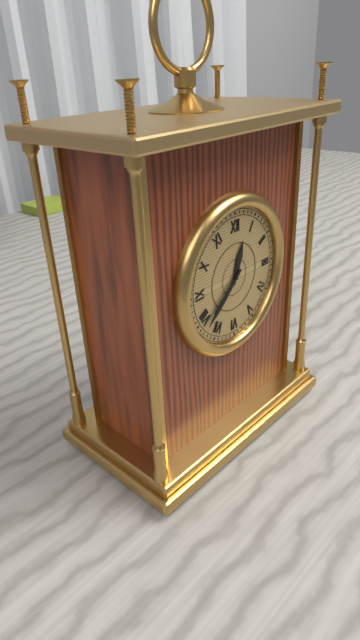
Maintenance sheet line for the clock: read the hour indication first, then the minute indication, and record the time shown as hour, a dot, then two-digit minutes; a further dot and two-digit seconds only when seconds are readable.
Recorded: 12.38
